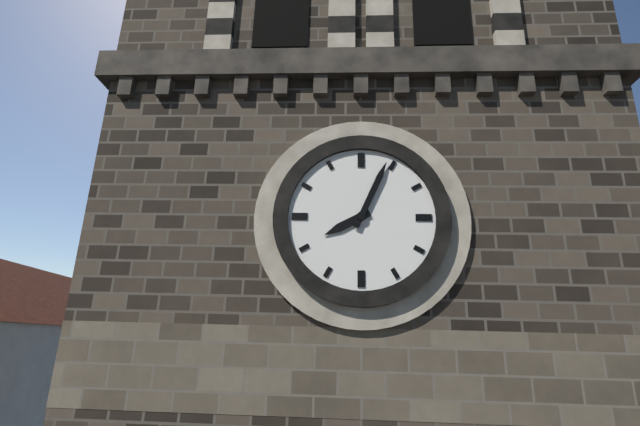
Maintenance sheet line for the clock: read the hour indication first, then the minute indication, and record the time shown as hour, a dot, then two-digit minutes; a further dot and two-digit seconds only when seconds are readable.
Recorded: 8.04
